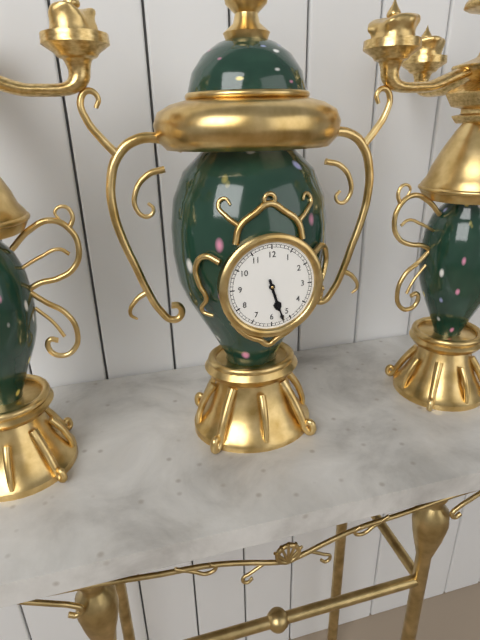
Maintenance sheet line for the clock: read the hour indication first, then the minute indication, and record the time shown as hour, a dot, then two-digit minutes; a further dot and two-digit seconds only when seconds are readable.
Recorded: 5.27
